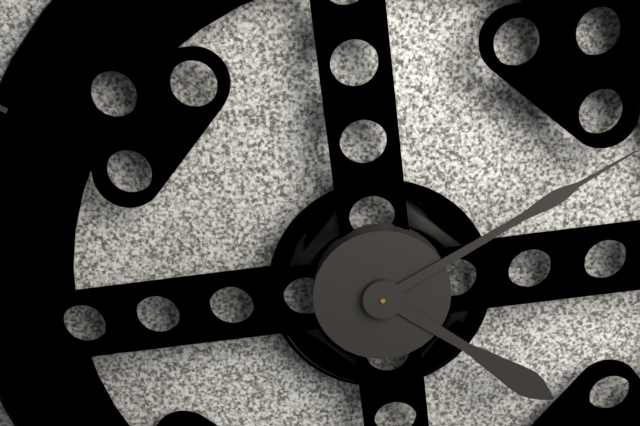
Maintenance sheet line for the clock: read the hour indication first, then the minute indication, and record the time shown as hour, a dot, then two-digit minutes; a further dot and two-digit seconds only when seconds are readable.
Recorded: 4.10
